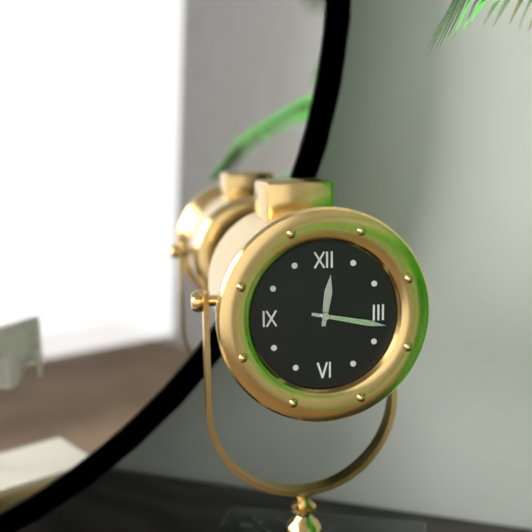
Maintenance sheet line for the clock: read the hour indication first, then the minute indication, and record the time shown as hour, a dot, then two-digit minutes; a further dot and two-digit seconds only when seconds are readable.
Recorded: 12.17
